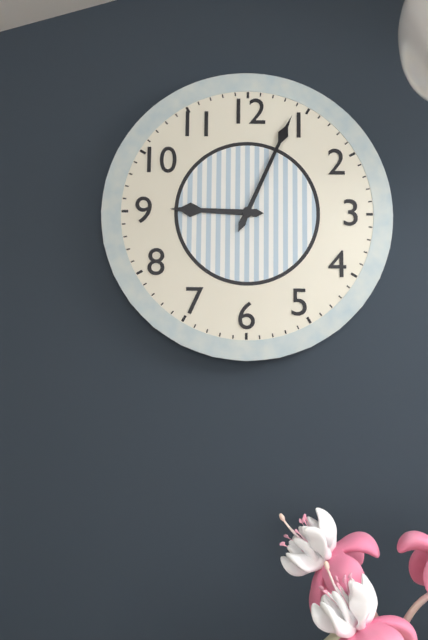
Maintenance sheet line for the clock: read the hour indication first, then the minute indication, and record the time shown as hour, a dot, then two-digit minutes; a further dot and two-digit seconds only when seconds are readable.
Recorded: 9.04
